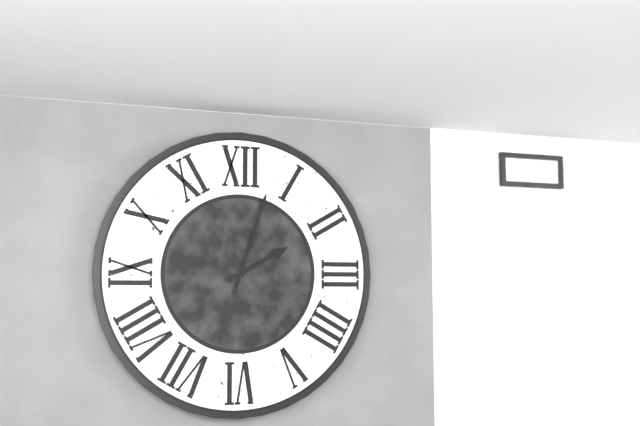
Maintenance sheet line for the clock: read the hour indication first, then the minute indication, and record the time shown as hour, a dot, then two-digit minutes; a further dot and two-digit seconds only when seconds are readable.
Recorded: 2.03
